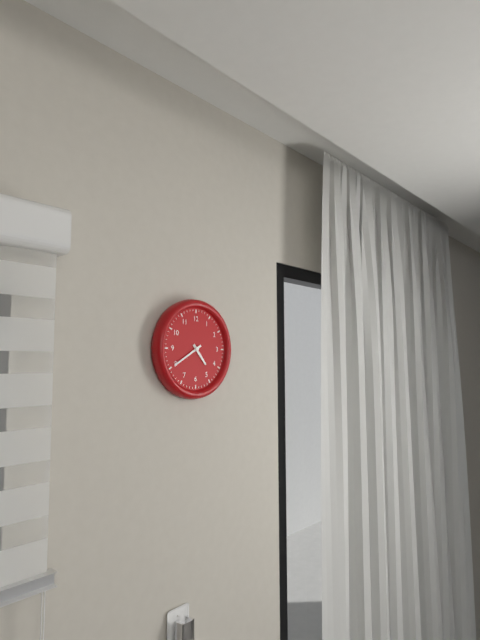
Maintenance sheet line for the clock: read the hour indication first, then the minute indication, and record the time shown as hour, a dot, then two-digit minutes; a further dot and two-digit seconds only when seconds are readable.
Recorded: 4.40
